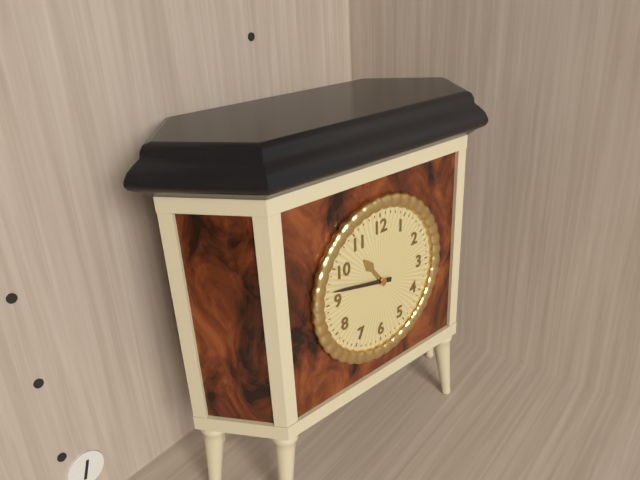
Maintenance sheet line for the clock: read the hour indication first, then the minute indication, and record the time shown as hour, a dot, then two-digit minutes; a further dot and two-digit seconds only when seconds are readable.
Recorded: 10.47
